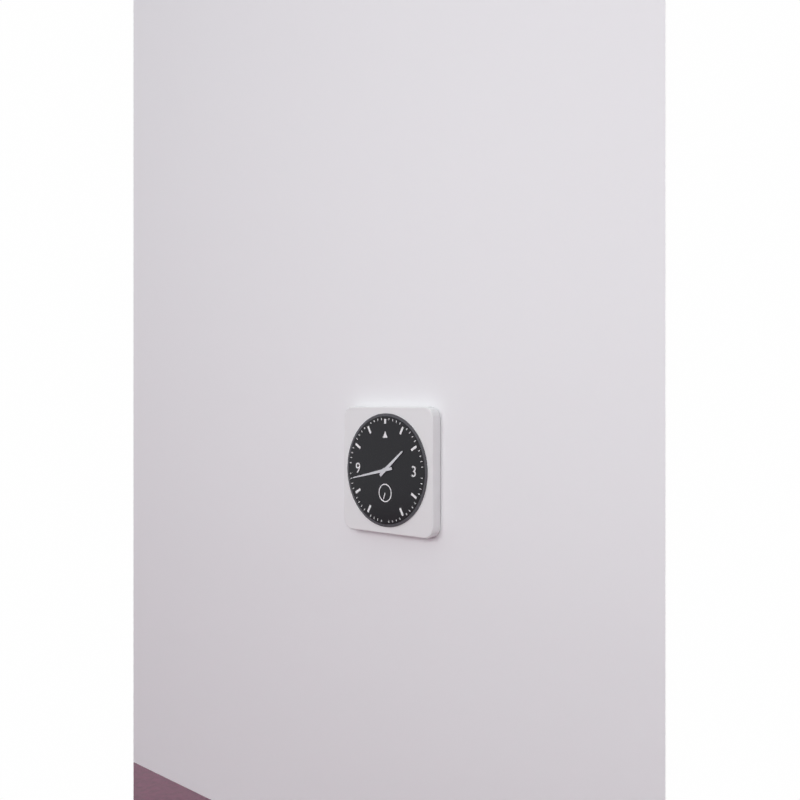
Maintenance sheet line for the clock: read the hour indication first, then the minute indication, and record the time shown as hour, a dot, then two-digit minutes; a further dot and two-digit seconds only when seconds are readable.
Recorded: 1.43
